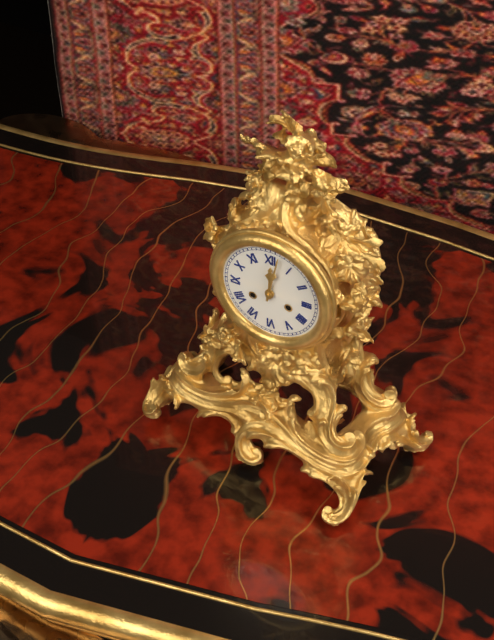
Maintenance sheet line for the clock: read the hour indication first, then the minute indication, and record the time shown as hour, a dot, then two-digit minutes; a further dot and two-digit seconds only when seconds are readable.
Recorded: 12.02
